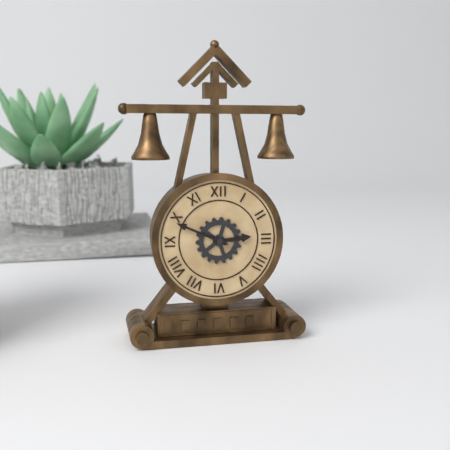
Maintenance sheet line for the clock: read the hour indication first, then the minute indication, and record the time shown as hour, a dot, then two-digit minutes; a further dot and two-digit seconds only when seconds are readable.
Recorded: 2.49
